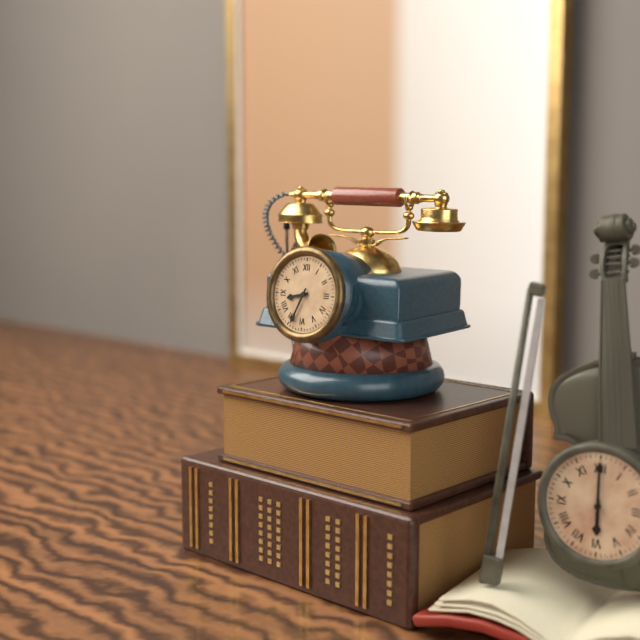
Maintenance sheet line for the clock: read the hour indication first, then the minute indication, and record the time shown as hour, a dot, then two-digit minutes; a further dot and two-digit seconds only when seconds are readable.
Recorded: 8.34
